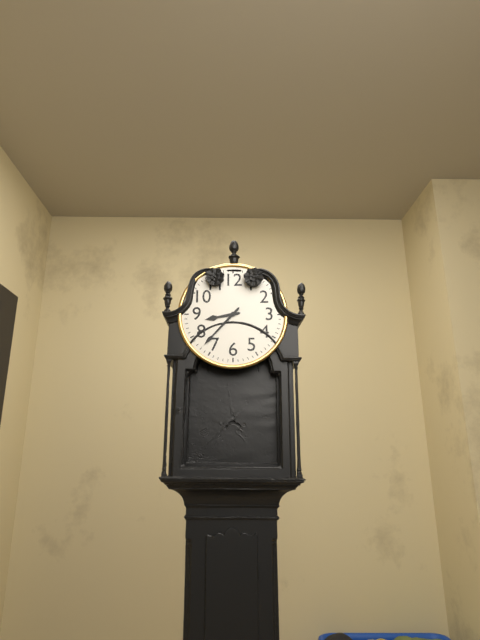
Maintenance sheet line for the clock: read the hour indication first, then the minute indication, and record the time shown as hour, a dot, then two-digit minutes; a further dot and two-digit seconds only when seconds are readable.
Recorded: 8.37
